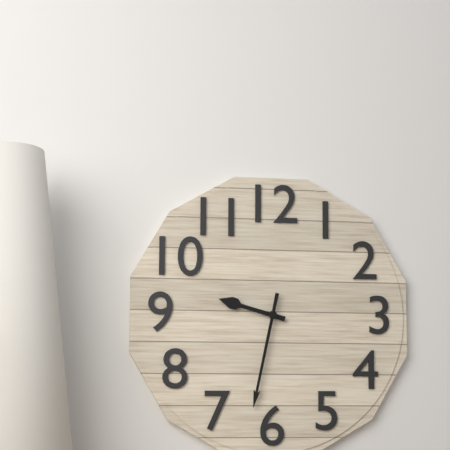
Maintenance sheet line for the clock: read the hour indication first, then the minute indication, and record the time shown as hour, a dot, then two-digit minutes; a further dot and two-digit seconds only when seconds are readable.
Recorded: 9.32
